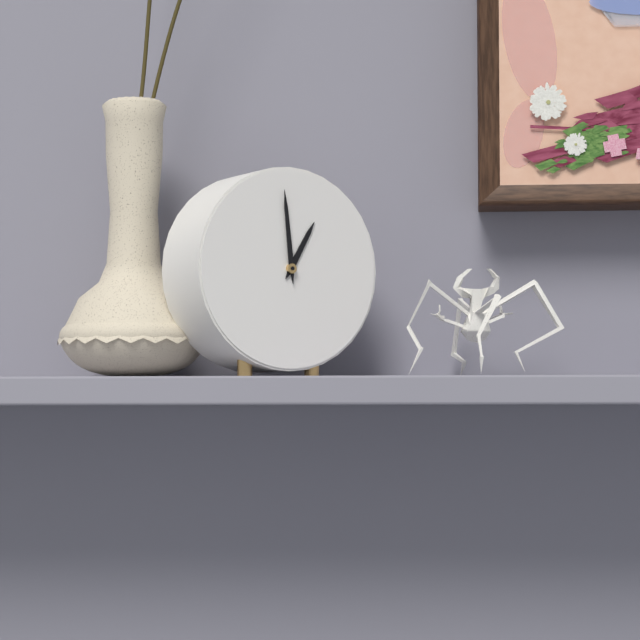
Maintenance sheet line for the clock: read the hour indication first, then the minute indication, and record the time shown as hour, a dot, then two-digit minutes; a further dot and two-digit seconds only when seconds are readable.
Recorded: 12.59
